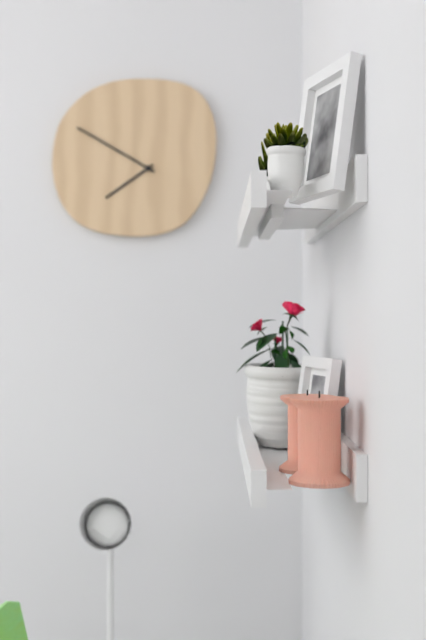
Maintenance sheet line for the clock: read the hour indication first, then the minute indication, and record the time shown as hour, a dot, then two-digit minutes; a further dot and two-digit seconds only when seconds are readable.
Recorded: 7.50
